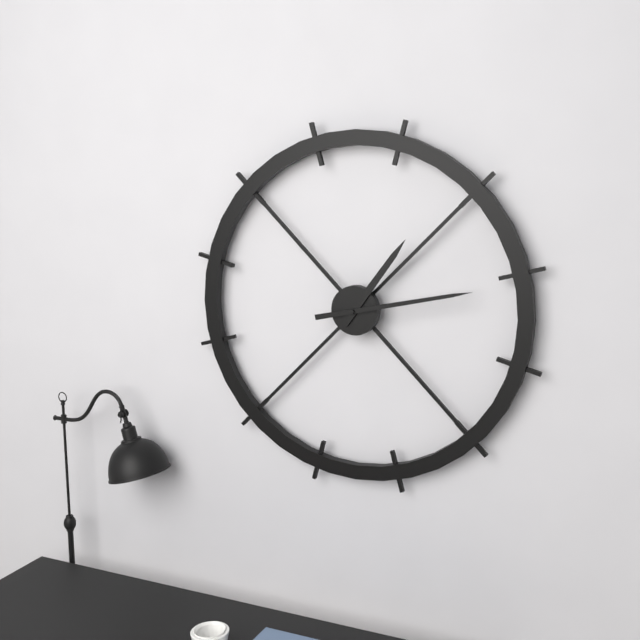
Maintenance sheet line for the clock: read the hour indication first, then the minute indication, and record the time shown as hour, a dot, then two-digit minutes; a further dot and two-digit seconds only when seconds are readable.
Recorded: 1.13
